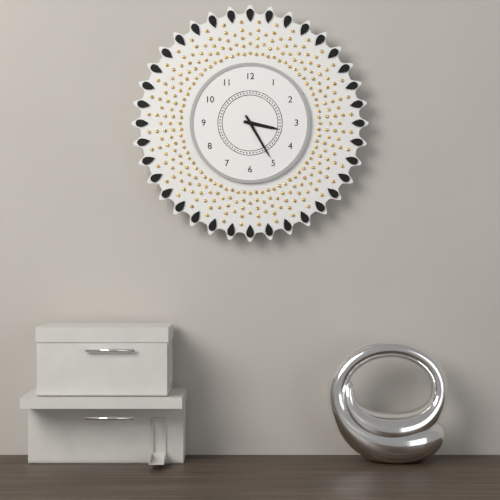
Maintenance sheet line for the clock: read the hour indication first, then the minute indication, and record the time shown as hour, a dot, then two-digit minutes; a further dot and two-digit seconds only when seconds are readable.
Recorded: 3.25
